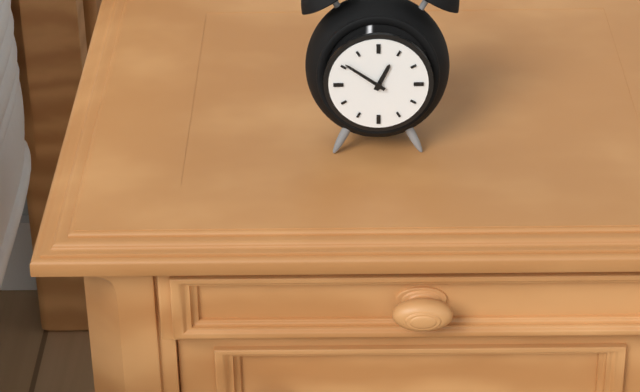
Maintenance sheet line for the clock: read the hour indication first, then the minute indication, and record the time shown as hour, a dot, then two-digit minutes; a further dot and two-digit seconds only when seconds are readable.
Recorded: 12.51
